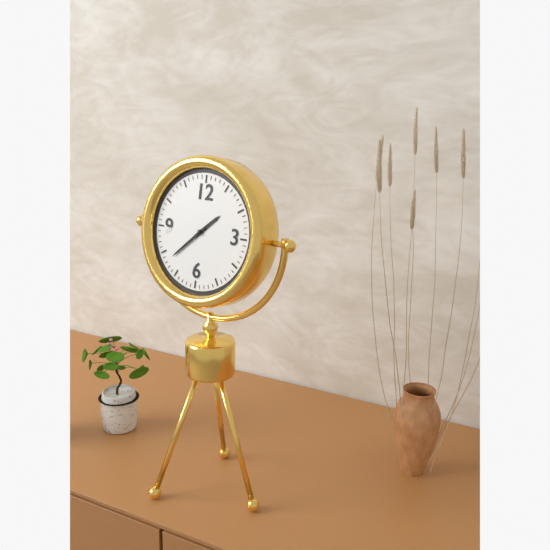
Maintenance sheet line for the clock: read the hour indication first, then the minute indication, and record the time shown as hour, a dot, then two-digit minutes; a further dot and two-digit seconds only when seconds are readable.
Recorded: 1.38
